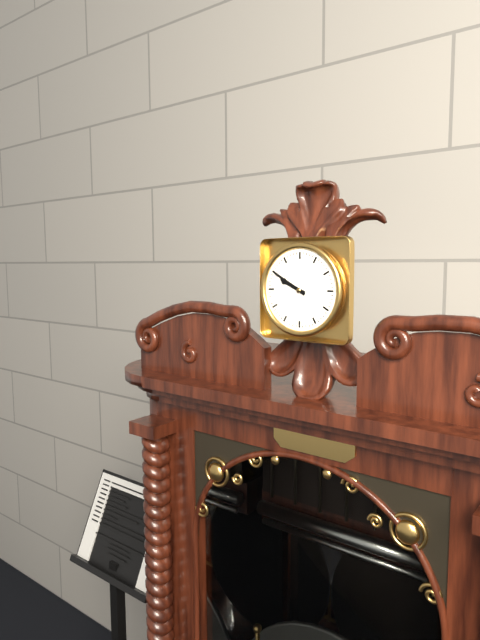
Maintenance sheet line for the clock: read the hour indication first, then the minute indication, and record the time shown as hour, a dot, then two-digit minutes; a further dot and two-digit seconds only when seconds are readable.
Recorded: 9.50
